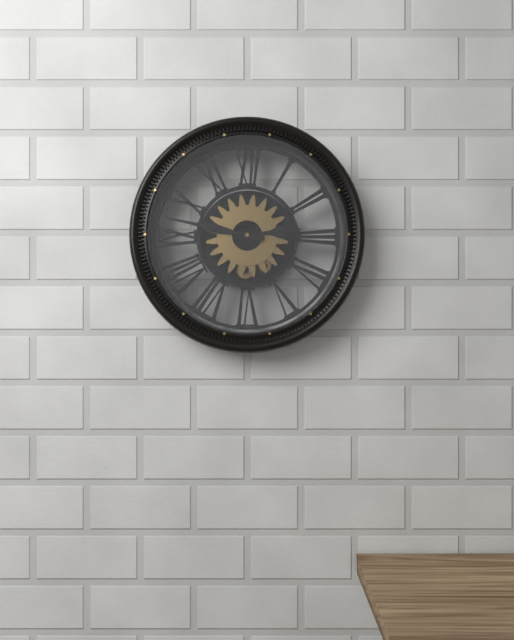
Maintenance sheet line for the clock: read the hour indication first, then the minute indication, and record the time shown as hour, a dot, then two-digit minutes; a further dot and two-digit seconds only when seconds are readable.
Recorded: 2.47
